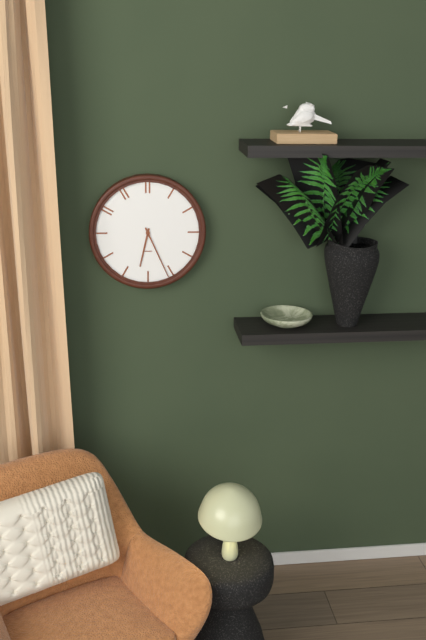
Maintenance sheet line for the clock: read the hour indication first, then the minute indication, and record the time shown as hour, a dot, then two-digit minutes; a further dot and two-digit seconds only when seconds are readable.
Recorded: 6.26
